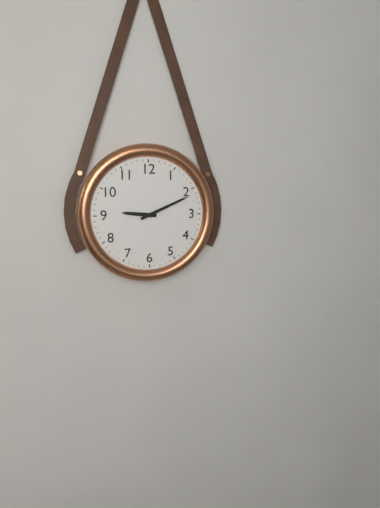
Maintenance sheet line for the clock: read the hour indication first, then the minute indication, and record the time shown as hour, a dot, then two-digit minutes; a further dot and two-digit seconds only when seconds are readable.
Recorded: 9.11
